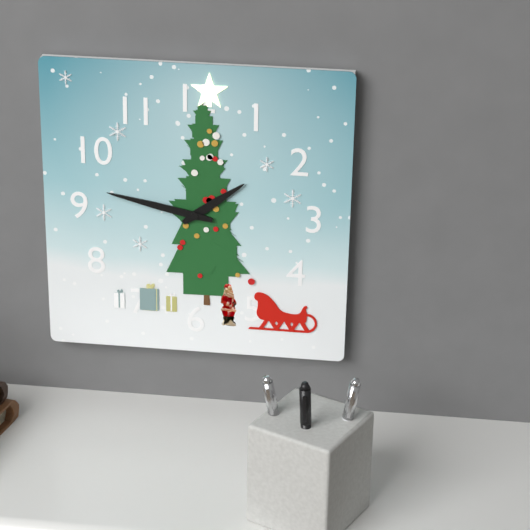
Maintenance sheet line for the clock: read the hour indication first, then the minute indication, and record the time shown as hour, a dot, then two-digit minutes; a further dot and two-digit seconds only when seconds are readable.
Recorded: 1.47
